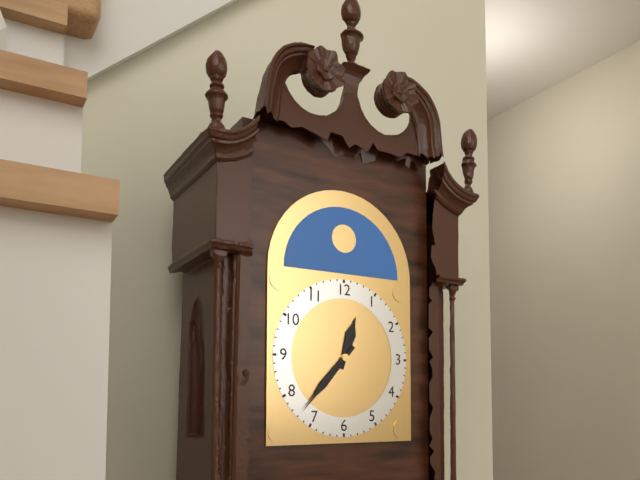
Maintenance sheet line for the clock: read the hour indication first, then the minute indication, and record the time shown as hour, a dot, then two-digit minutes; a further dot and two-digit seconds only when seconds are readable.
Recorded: 12.37
